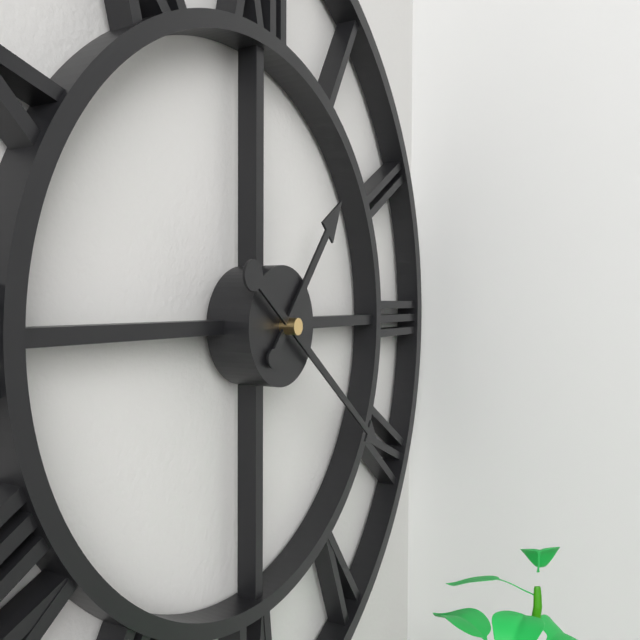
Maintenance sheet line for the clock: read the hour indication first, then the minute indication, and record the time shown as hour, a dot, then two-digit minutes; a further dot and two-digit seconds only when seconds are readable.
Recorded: 1.21
